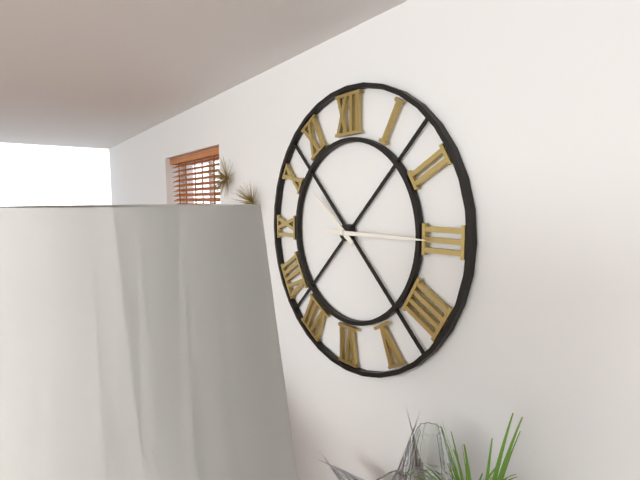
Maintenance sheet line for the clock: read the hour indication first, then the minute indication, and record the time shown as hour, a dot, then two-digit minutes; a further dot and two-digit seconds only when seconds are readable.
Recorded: 10.15
